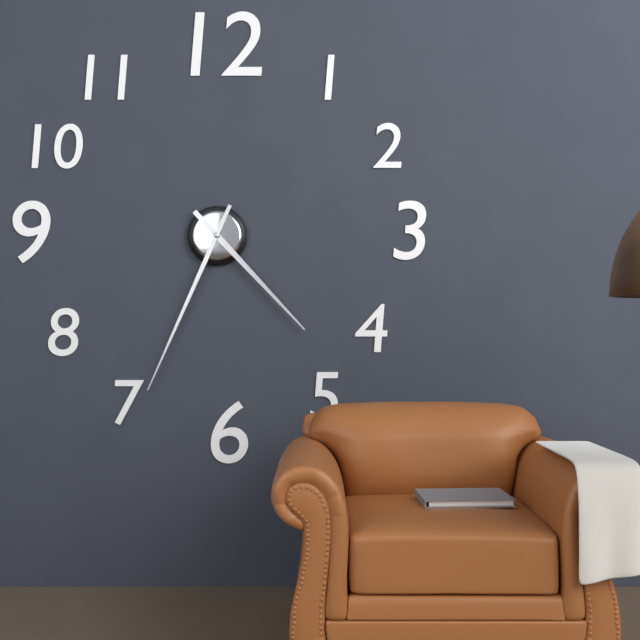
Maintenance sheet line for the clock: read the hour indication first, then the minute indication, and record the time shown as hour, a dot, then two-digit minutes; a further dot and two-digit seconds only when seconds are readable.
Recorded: 4.34
